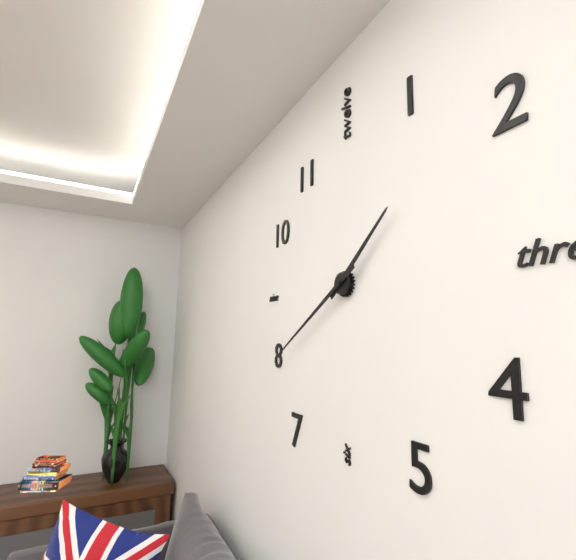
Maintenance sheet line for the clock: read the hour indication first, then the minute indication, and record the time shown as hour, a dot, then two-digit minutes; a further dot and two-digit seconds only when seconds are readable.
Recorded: 1.40
